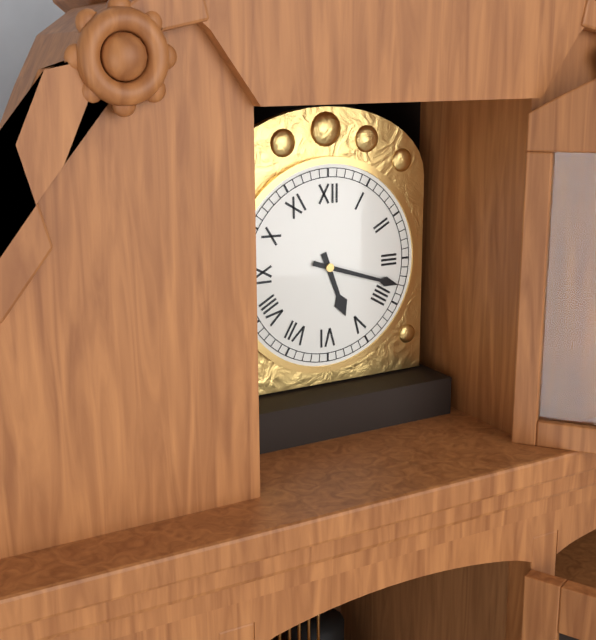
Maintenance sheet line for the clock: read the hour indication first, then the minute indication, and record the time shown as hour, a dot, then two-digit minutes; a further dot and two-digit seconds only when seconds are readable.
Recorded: 5.18
